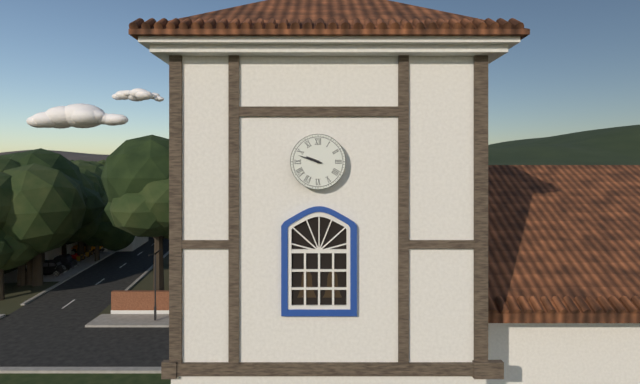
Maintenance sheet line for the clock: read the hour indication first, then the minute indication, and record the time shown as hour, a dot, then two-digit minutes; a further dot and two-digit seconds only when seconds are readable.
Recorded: 9.48
